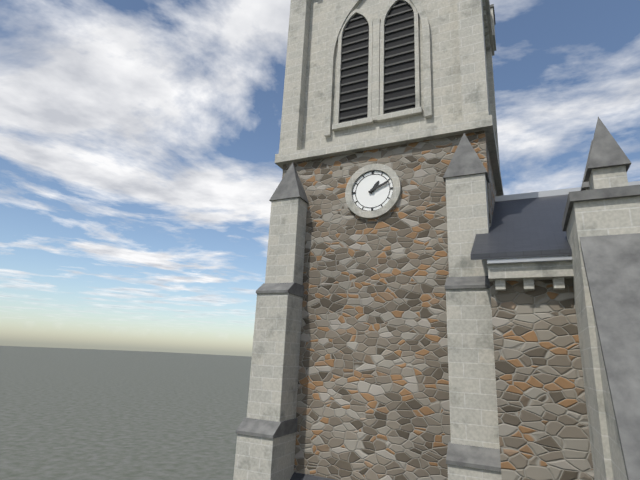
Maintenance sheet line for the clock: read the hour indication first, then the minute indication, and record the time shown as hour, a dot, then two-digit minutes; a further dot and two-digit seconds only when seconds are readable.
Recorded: 1.11
